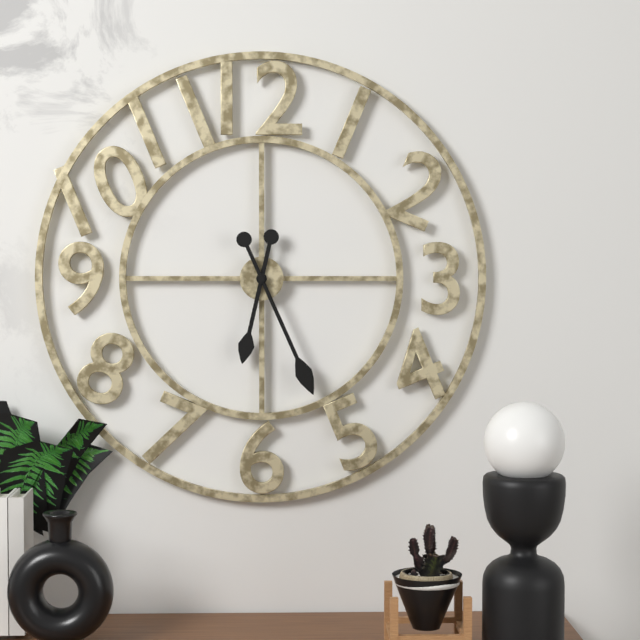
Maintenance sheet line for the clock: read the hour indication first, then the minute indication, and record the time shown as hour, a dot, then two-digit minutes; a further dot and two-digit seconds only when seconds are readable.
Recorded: 6.26
